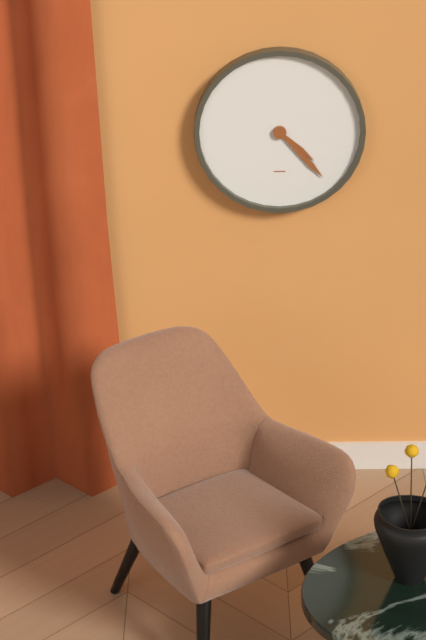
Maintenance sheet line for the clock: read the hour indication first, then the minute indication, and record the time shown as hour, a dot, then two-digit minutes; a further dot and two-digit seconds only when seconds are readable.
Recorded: 4.23
